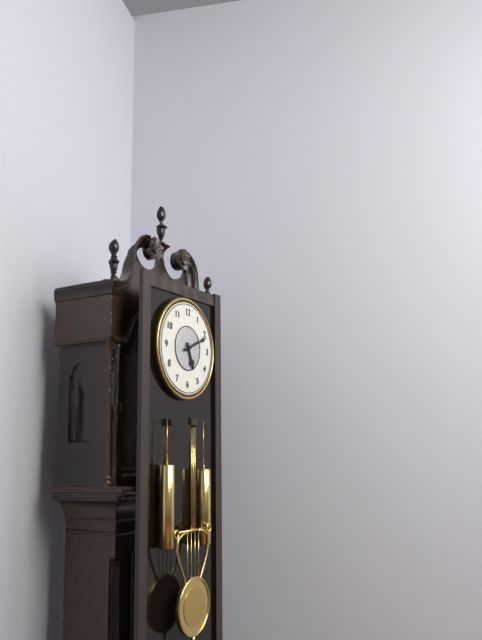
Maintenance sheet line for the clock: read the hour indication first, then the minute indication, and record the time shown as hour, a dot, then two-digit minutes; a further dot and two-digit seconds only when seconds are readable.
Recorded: 5.11
